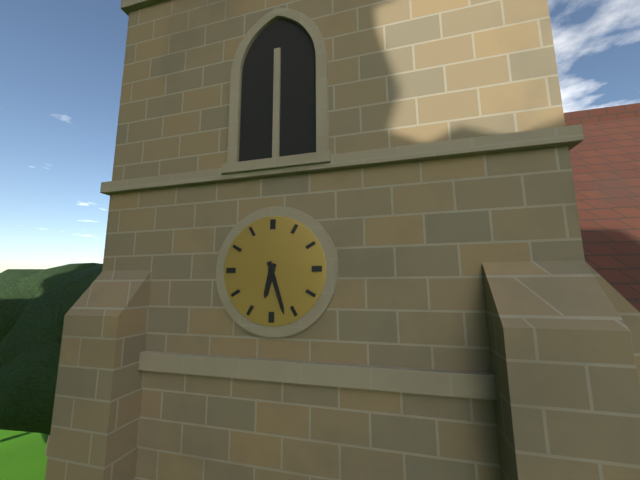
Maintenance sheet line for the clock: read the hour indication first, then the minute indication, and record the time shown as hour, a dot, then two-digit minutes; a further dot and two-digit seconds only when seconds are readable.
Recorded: 6.27
